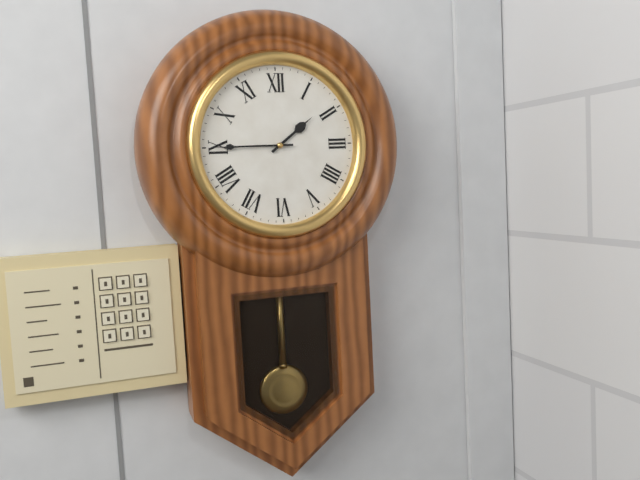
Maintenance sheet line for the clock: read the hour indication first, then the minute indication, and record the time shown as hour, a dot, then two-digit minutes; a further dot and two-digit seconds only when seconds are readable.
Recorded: 1.45
